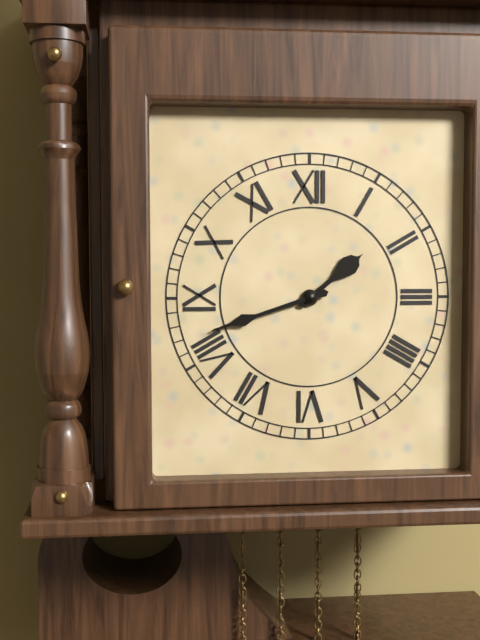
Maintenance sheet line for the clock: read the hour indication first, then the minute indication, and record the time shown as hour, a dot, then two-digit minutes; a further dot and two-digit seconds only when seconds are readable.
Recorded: 1.42
